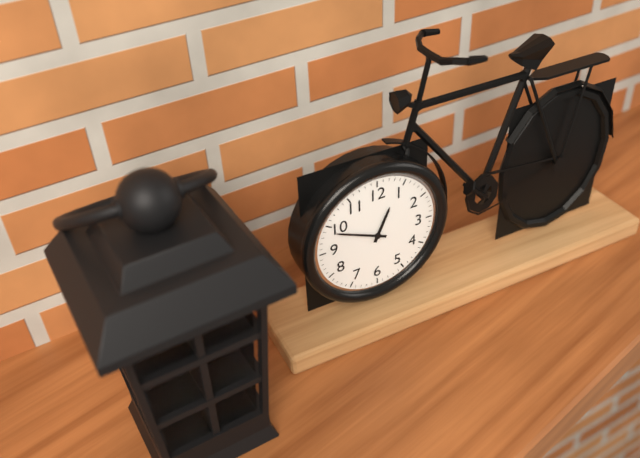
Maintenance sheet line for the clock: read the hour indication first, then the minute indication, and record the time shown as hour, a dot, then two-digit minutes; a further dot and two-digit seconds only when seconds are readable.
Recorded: 12.49
